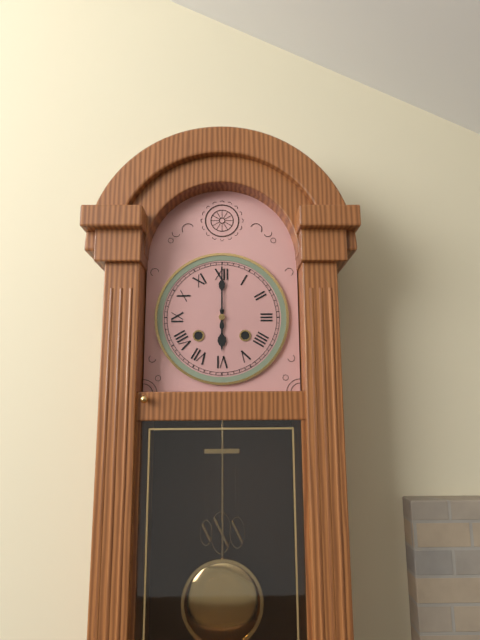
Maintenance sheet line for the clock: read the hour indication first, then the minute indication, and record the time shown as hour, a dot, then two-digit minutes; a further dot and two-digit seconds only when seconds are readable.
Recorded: 6.00
